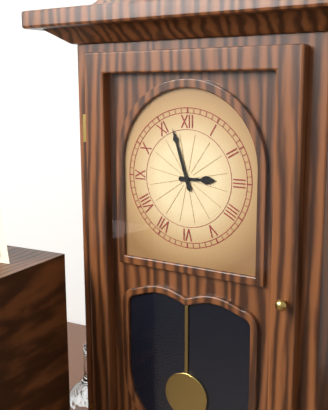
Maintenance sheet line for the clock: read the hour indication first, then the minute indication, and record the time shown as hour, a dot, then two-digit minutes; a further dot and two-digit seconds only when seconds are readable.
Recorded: 2.57
